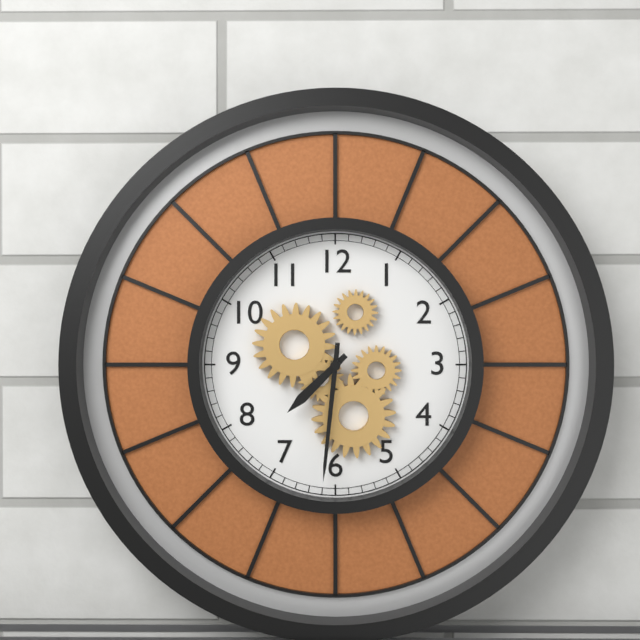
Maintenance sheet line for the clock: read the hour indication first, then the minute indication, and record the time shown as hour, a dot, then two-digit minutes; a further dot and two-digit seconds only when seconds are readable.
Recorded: 7.31
